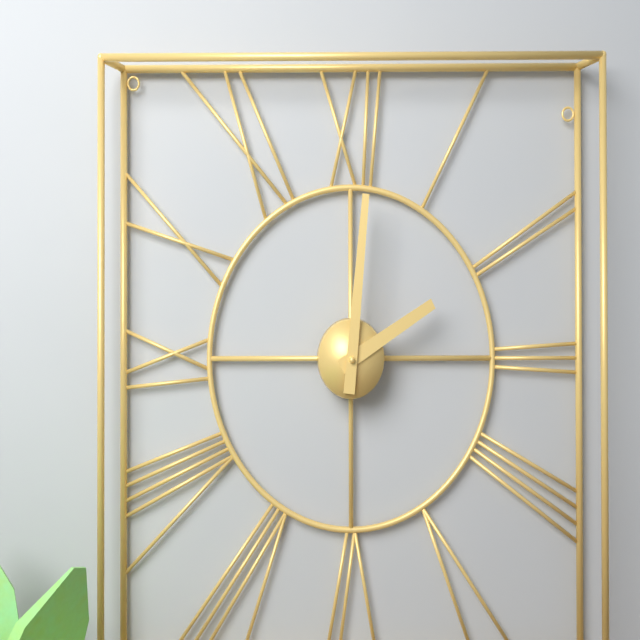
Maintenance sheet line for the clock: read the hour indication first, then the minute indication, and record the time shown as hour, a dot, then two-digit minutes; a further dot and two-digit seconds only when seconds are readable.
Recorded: 2.01
